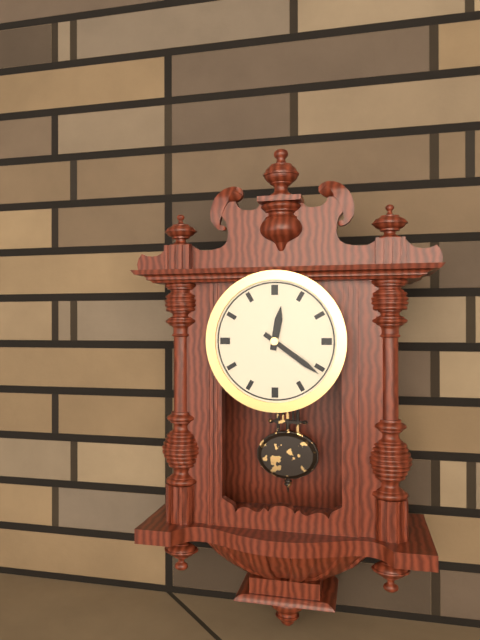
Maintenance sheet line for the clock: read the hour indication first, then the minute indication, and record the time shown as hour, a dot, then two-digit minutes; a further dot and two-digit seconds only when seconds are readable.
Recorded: 12.21
